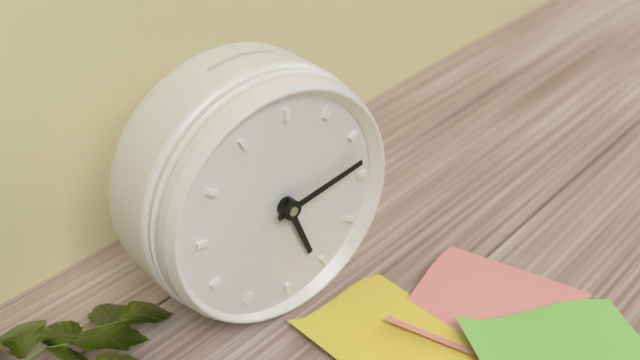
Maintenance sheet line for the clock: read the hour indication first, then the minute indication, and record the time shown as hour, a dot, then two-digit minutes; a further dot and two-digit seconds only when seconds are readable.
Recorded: 5.13
